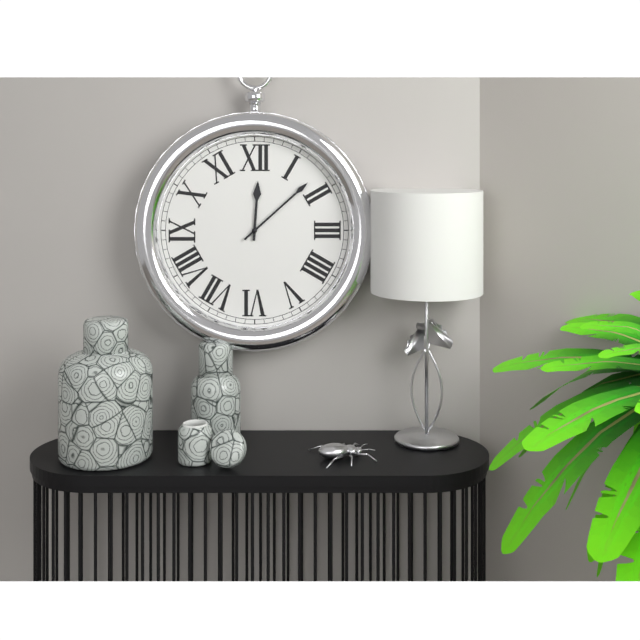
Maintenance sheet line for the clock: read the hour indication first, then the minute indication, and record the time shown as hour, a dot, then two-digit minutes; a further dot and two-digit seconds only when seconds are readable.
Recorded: 12.08
